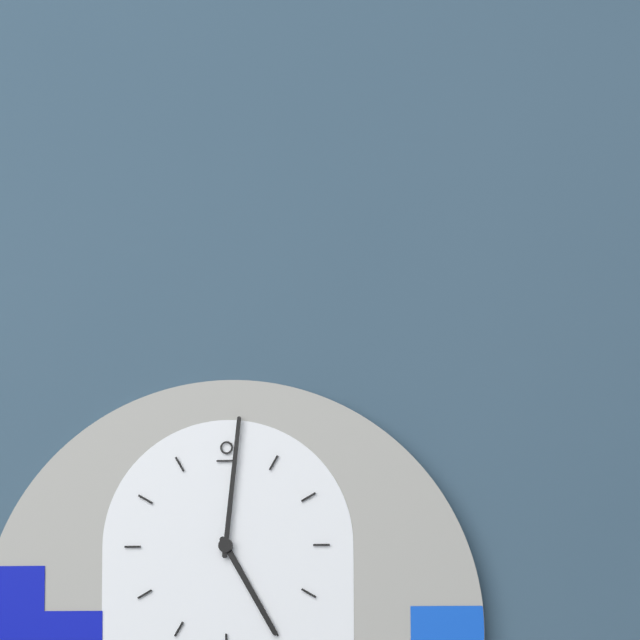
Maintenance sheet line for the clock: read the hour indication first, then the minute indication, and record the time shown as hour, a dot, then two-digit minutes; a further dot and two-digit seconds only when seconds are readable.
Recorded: 5.01
